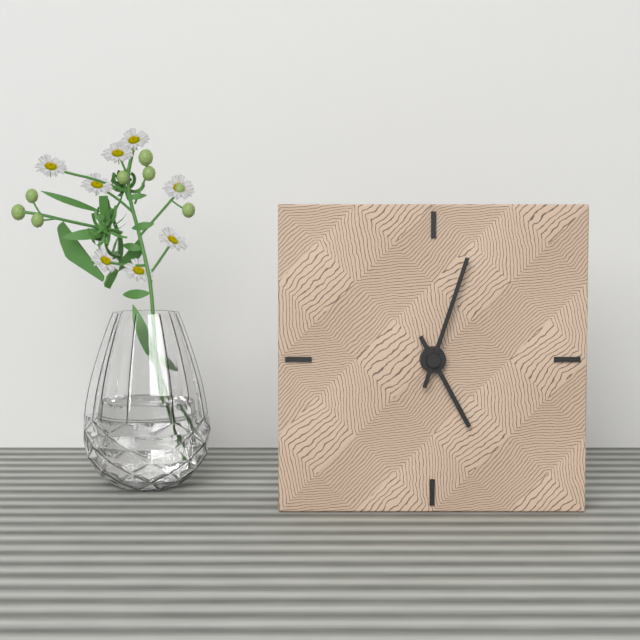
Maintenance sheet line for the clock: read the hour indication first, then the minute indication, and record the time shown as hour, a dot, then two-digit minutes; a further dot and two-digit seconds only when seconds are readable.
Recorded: 5.03
